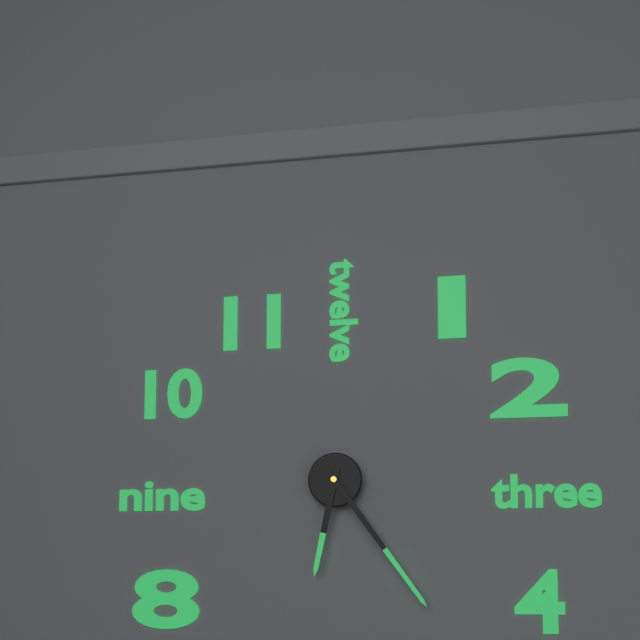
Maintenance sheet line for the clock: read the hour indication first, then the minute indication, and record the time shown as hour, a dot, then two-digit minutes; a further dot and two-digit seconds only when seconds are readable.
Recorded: 6.24
